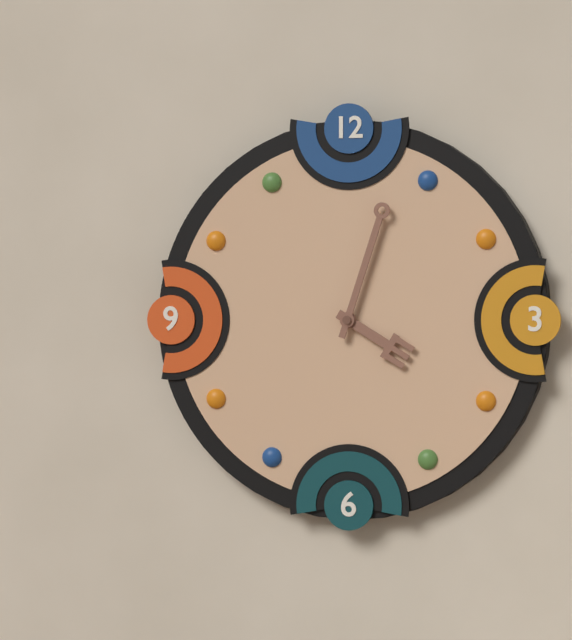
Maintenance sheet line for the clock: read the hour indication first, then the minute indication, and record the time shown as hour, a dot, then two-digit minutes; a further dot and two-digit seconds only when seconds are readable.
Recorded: 4.03
